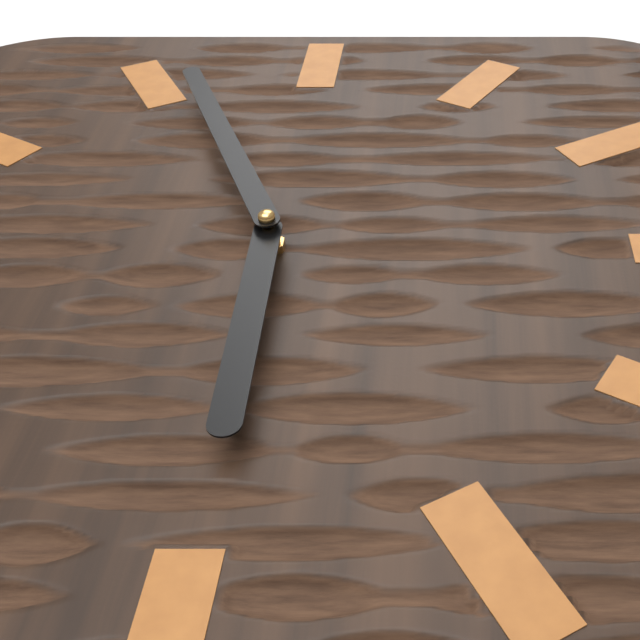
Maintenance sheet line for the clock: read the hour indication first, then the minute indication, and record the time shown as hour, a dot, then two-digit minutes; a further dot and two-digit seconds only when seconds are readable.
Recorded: 5.56
